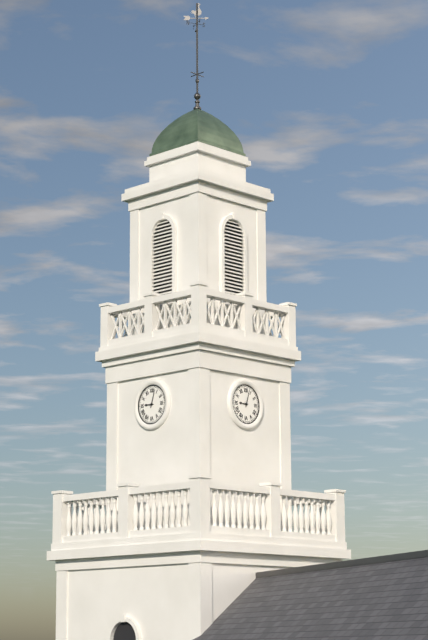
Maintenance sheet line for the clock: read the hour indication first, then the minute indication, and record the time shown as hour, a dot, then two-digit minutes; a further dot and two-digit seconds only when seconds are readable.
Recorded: 9.03
